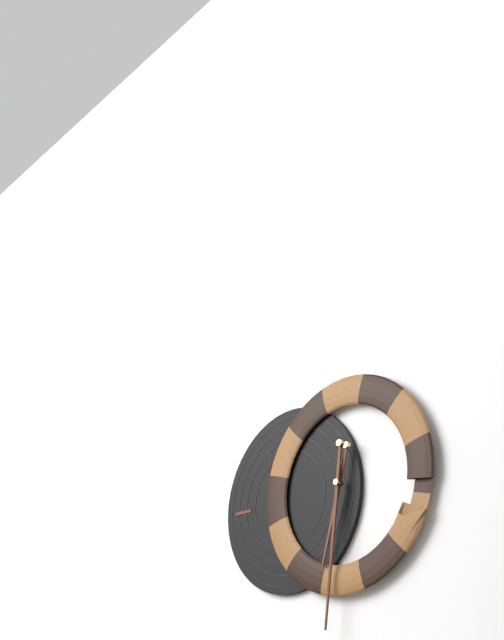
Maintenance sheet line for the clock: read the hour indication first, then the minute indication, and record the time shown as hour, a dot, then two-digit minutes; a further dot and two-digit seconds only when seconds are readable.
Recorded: 6.31
